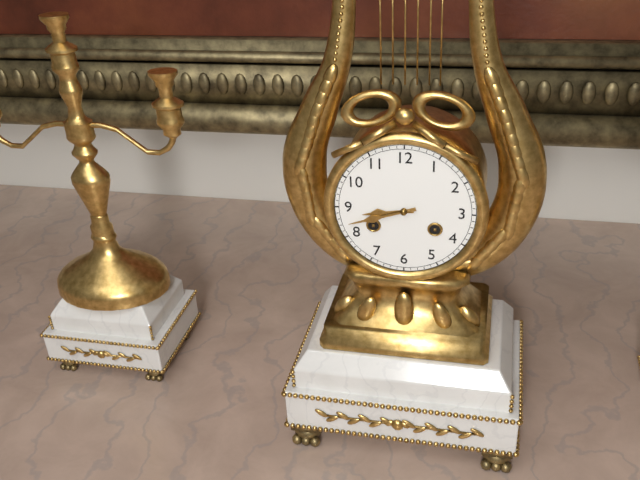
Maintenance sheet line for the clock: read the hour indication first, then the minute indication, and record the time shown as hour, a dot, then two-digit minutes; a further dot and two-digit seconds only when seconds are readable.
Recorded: 8.42
